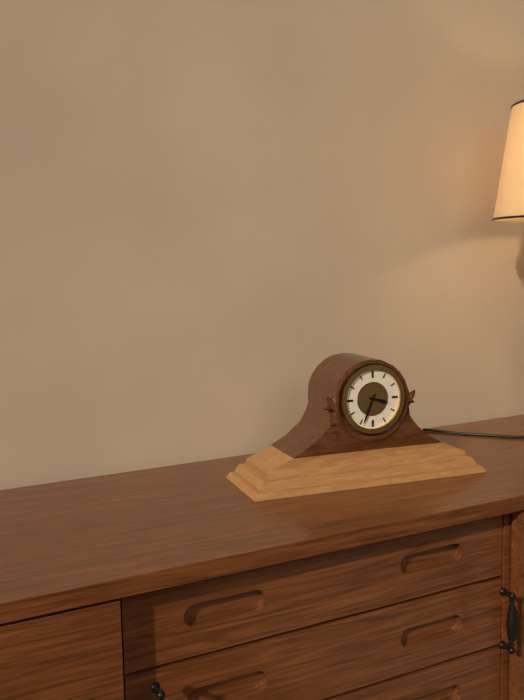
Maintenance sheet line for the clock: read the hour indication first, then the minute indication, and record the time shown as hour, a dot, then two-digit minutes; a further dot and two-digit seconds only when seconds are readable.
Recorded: 3.34
